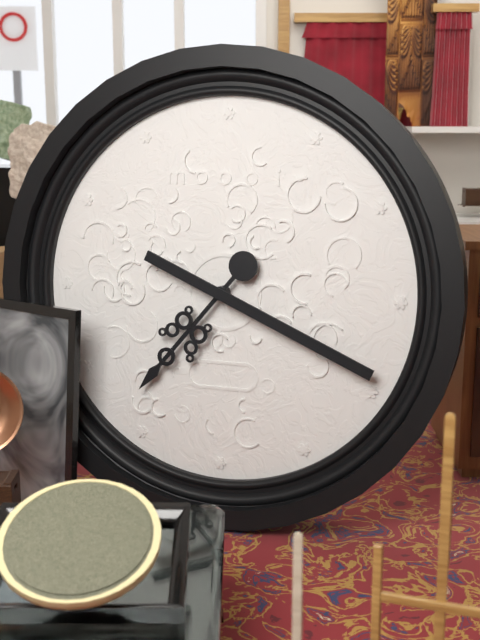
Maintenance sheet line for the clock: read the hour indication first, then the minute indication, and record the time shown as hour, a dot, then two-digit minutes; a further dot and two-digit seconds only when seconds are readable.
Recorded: 7.19
